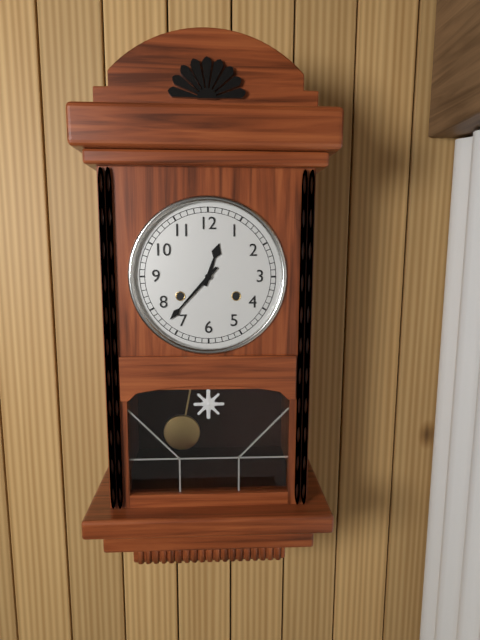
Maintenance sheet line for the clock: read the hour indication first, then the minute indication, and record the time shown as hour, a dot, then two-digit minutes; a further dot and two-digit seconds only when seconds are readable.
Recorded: 12.37
